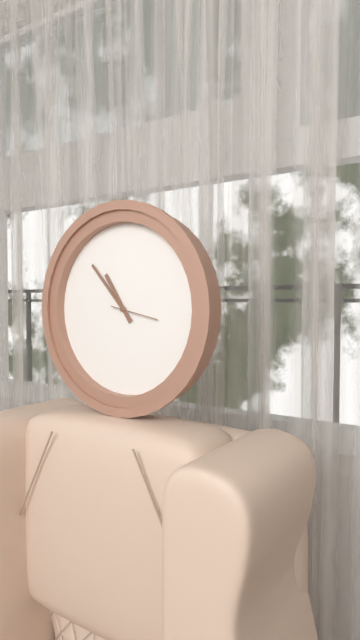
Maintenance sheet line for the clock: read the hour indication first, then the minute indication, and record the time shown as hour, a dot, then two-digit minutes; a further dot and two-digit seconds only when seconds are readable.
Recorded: 10.53
